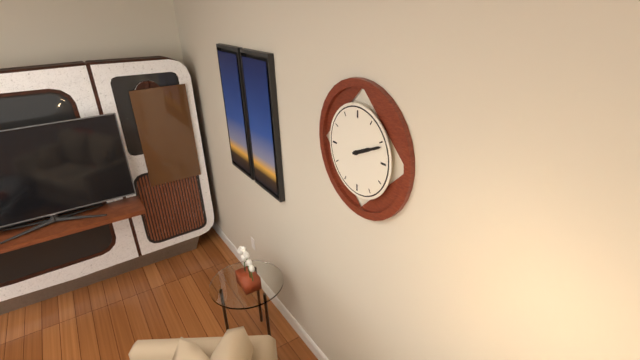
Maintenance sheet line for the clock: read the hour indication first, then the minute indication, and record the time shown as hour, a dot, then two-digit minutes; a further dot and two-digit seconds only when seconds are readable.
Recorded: 2.11
